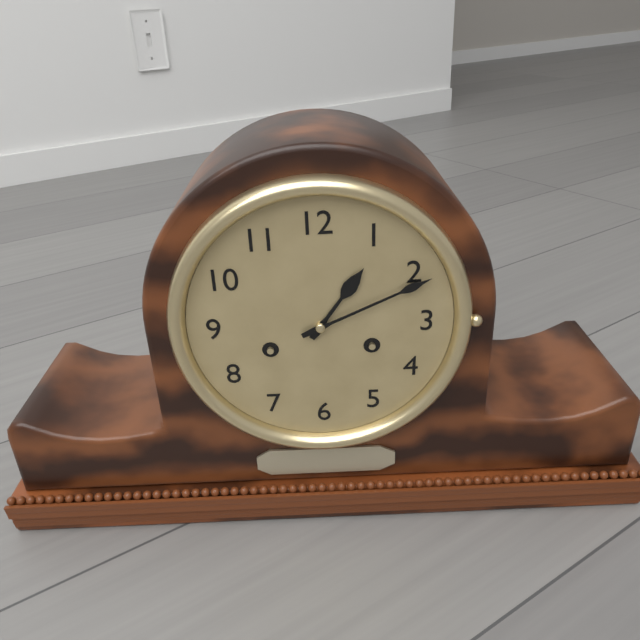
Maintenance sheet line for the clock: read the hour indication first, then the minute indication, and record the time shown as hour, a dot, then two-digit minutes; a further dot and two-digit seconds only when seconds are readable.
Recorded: 1.11
